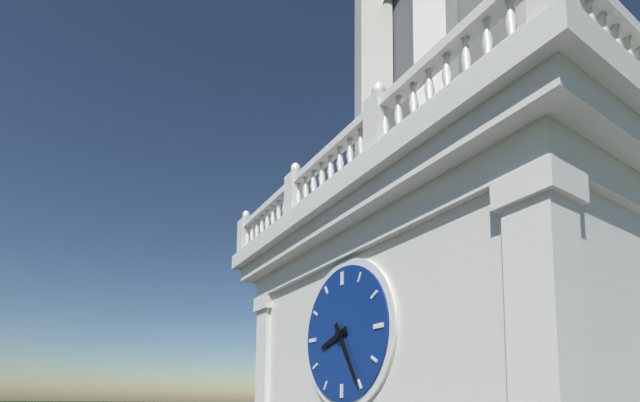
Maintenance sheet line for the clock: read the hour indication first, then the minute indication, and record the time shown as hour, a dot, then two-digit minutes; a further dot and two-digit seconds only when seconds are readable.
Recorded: 8.25
